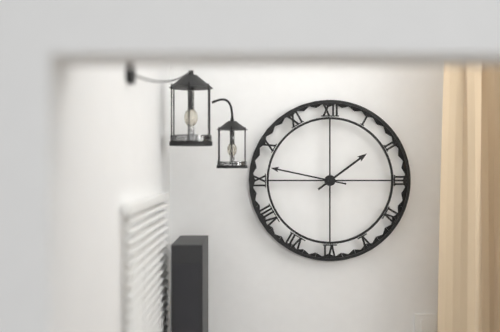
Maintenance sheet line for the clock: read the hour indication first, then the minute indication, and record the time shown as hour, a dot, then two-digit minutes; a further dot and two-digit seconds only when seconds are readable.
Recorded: 1.47
